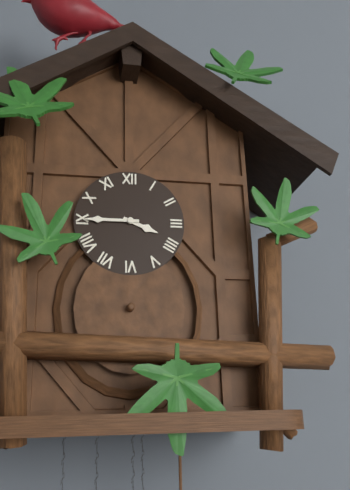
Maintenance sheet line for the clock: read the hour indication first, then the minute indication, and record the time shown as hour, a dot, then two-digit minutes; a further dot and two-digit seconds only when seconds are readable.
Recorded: 3.45
